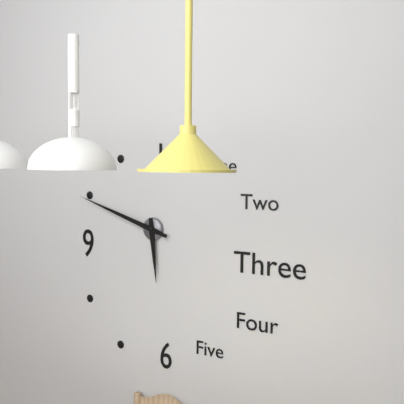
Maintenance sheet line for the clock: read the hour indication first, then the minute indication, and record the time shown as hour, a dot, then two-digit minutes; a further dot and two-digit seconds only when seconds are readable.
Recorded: 5.48
